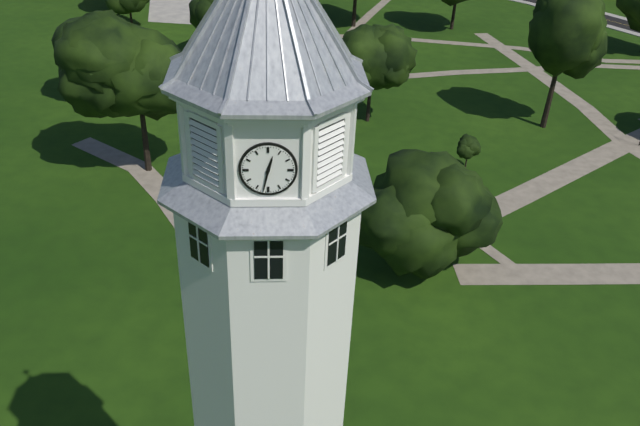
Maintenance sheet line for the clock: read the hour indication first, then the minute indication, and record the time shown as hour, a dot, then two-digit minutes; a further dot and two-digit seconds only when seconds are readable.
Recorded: 12.32
